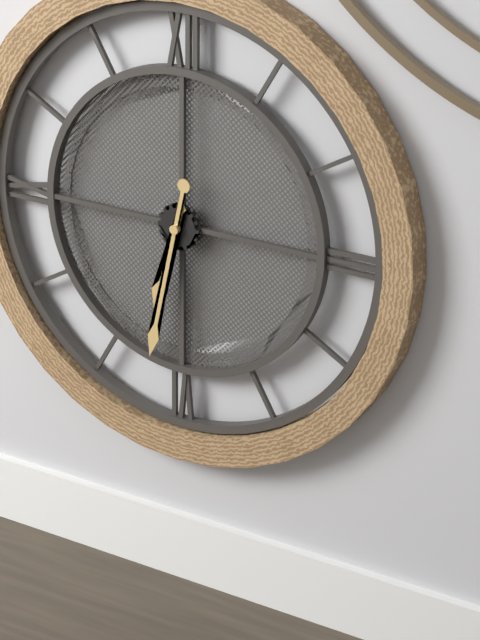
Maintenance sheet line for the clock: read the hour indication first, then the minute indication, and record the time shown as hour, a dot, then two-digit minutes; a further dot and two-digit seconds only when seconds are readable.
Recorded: 6.32
